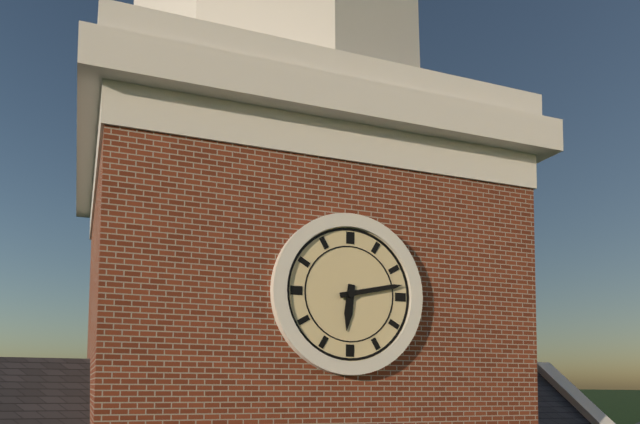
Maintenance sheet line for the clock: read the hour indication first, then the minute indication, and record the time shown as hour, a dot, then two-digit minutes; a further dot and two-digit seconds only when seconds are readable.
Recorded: 6.13
